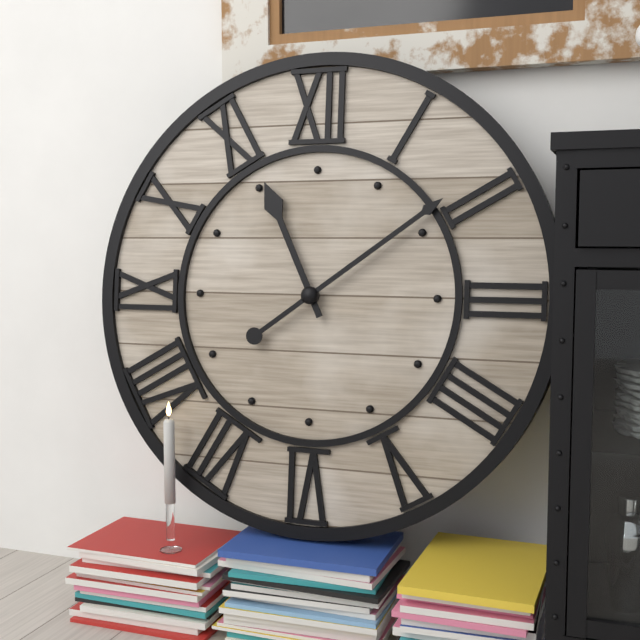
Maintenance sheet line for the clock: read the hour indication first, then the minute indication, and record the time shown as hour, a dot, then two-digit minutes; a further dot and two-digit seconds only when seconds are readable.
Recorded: 11.09
